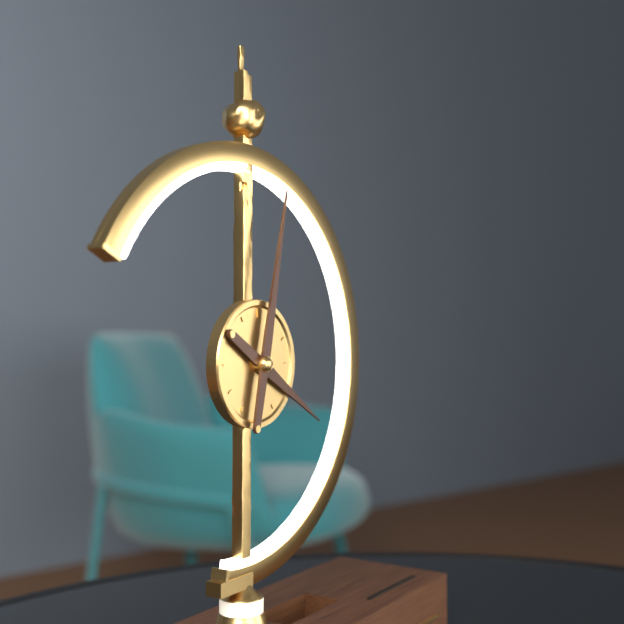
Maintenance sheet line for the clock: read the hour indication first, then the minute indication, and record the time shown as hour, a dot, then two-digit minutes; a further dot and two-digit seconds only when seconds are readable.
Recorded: 4.02
